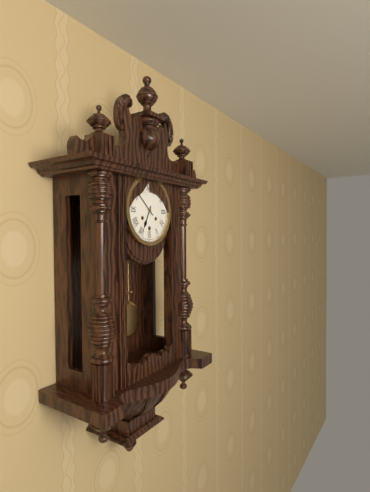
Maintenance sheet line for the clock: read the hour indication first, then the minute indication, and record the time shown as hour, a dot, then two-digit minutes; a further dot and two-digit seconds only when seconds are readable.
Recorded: 6.52
